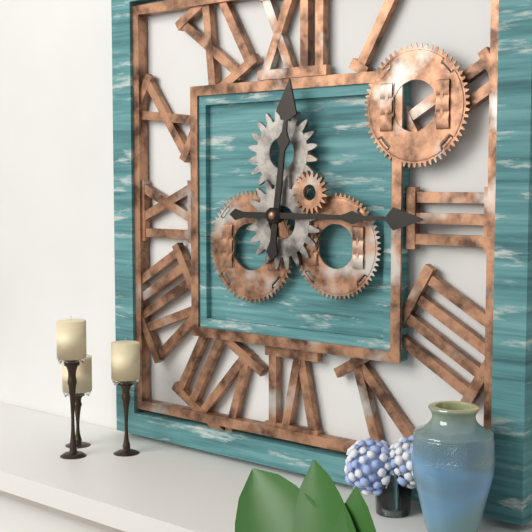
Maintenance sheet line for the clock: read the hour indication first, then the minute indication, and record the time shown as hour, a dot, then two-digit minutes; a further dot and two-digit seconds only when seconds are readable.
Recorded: 12.15
